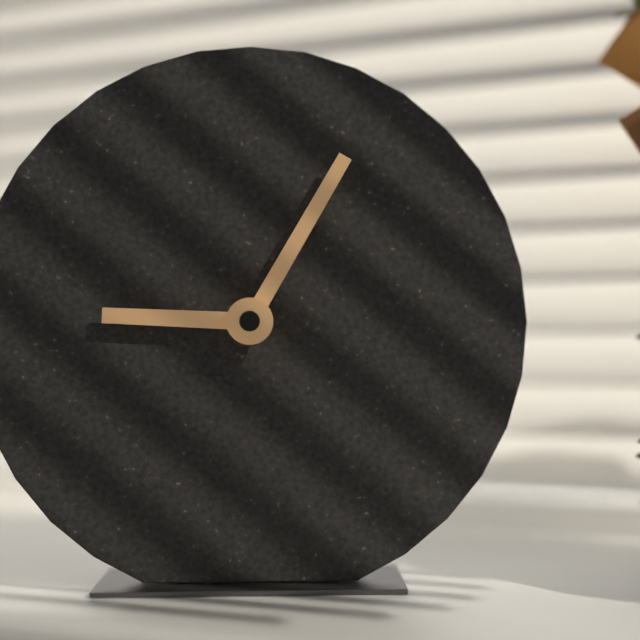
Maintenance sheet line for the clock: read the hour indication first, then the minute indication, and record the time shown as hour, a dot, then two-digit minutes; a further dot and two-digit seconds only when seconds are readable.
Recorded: 9.05
